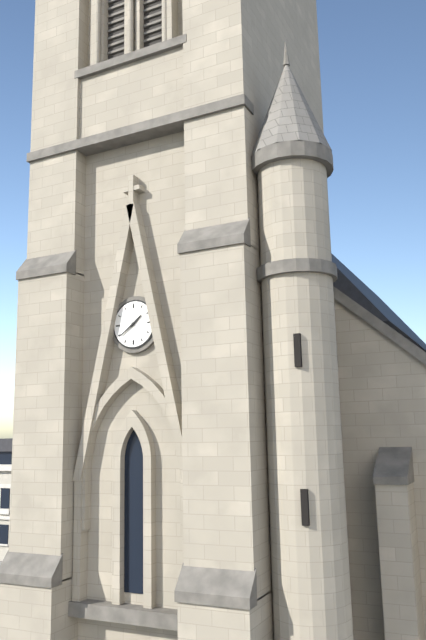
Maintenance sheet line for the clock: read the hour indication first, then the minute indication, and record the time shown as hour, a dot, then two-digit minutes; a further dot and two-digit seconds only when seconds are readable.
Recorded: 1.39
